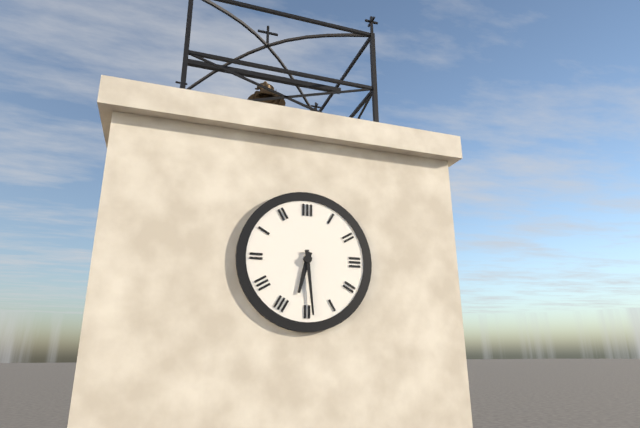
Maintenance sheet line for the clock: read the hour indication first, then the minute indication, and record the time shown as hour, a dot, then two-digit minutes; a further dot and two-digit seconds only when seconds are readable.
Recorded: 6.29
